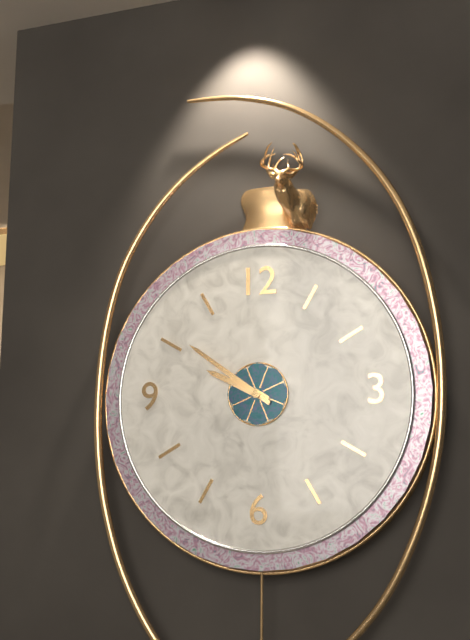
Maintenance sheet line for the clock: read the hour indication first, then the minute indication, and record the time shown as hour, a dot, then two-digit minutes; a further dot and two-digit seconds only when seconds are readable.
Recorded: 9.51
